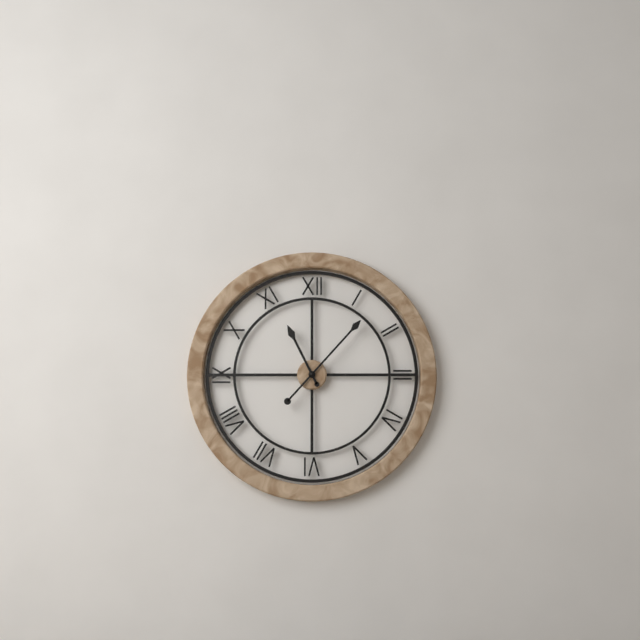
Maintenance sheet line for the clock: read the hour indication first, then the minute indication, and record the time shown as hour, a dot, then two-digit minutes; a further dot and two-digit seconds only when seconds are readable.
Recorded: 11.07
